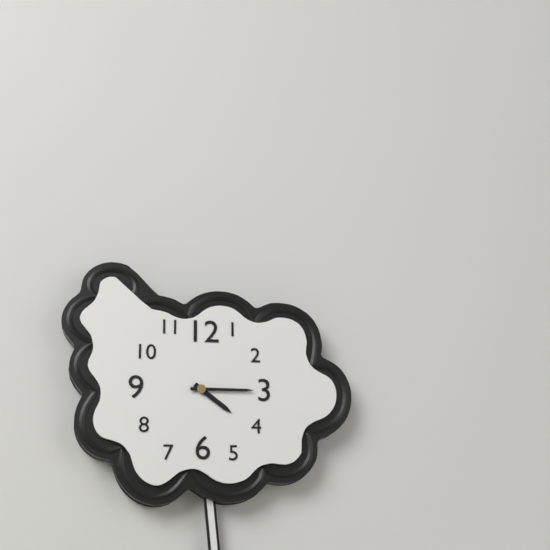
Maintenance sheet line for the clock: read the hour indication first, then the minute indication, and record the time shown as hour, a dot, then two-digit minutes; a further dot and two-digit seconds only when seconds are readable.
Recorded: 4.15
